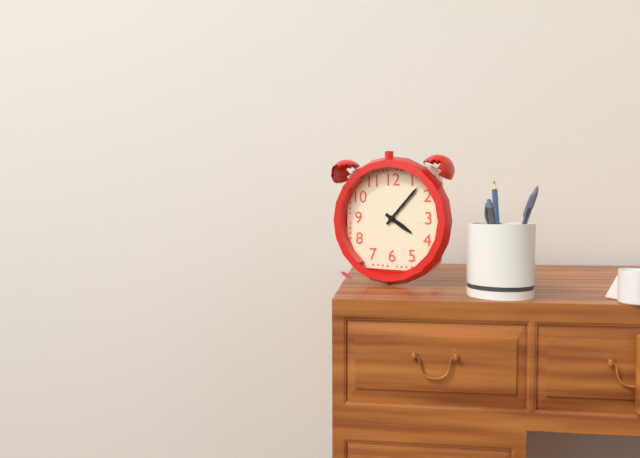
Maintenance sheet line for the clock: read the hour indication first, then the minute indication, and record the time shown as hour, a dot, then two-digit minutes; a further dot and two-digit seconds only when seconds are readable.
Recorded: 4.07
